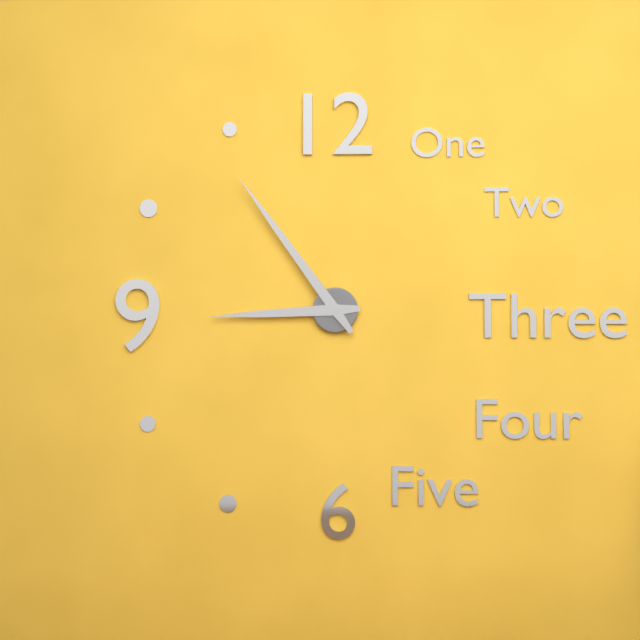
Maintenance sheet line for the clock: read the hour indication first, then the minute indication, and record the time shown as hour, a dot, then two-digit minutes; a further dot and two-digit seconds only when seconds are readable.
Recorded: 8.54
